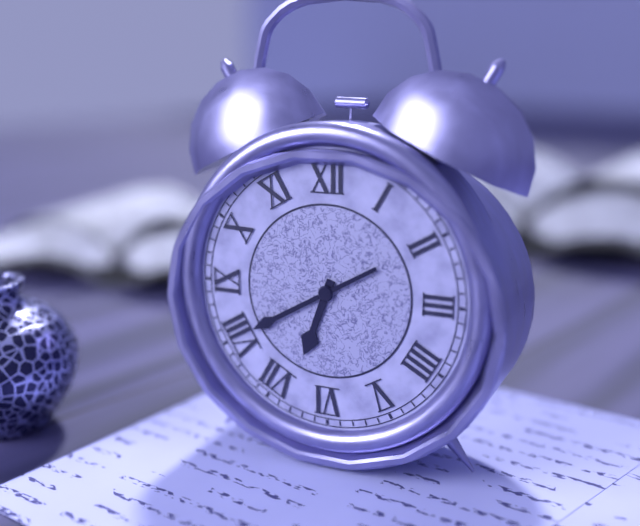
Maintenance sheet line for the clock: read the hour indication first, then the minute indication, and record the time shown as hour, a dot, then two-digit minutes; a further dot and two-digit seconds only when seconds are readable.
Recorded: 6.40
